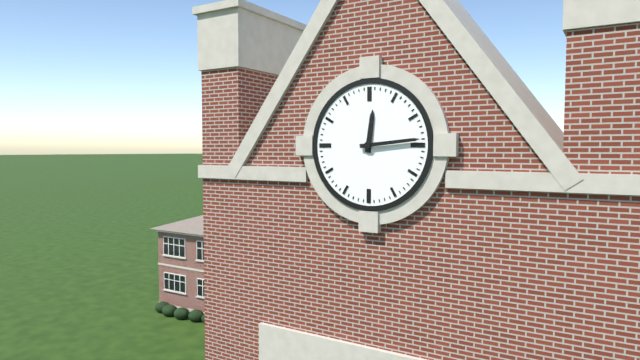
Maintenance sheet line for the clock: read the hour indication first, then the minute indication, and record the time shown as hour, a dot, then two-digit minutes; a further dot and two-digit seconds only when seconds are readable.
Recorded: 12.14
